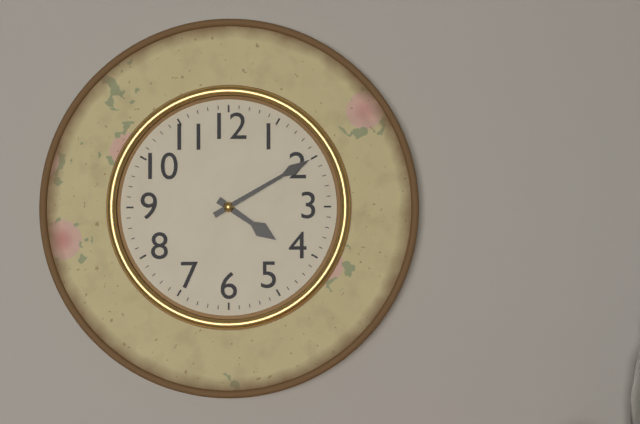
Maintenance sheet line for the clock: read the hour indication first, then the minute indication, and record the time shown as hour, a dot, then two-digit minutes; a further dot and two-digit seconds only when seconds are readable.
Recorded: 4.10
